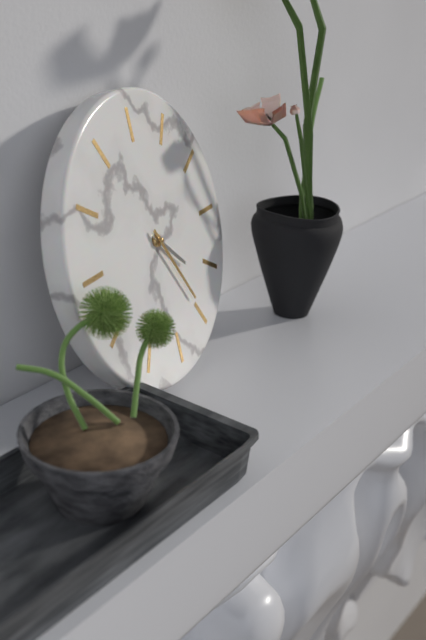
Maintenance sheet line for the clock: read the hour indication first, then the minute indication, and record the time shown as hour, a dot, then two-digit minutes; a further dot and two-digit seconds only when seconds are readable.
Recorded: 4.25
